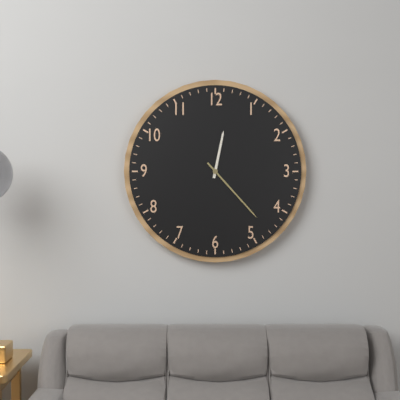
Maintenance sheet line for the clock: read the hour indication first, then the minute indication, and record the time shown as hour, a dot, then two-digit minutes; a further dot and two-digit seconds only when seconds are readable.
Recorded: 12.23
